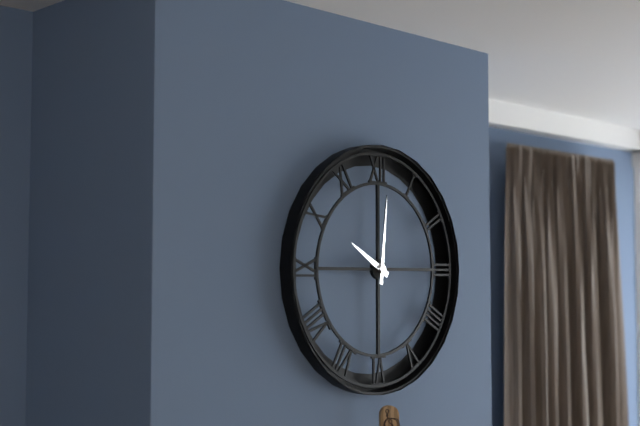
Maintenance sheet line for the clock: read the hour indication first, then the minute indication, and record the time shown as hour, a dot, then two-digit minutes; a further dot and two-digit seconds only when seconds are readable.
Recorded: 10.01
